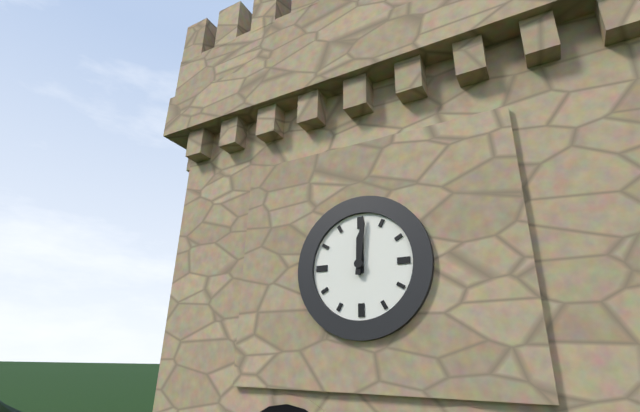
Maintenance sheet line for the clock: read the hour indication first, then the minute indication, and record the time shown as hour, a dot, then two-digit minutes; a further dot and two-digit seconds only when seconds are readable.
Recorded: 12.01
